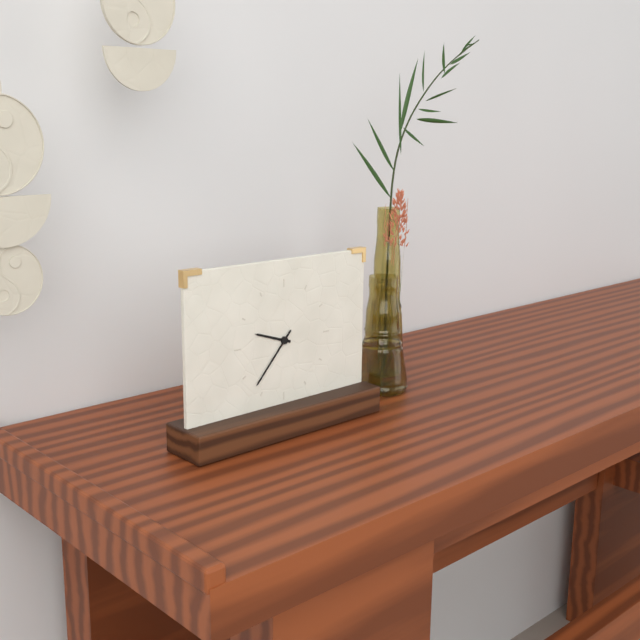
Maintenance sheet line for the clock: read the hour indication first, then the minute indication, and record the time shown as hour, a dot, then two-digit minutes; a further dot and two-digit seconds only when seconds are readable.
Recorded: 9.37
